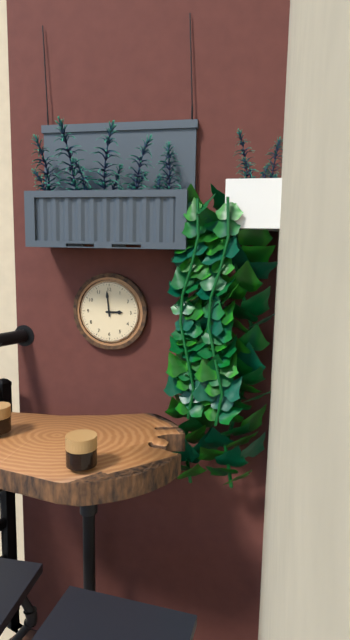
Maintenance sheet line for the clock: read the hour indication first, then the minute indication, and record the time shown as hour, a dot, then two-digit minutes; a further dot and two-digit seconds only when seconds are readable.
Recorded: 2.59
